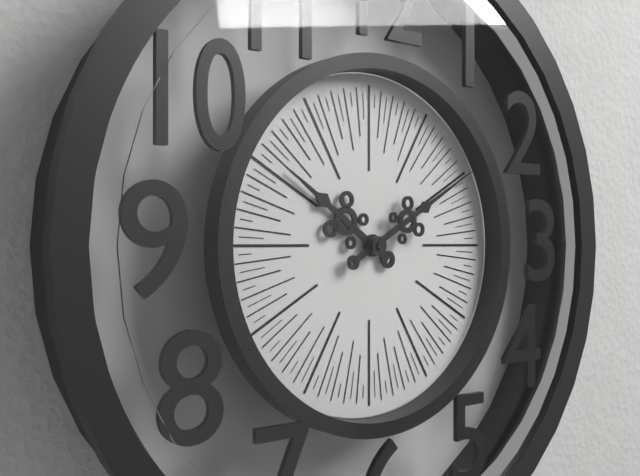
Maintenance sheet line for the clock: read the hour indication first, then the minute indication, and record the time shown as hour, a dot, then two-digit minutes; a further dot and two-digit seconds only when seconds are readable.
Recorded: 10.10
